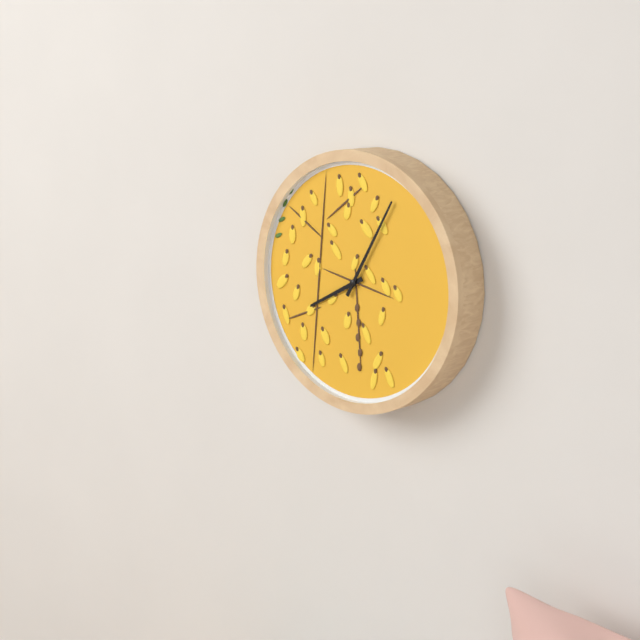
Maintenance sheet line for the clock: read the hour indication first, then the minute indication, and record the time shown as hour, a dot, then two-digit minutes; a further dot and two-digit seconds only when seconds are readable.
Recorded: 8.05
